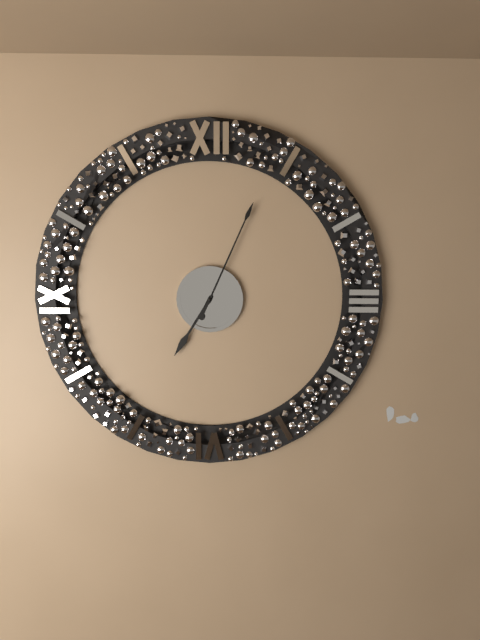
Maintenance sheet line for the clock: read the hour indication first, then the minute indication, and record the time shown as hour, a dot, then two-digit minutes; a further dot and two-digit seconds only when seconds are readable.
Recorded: 7.04
